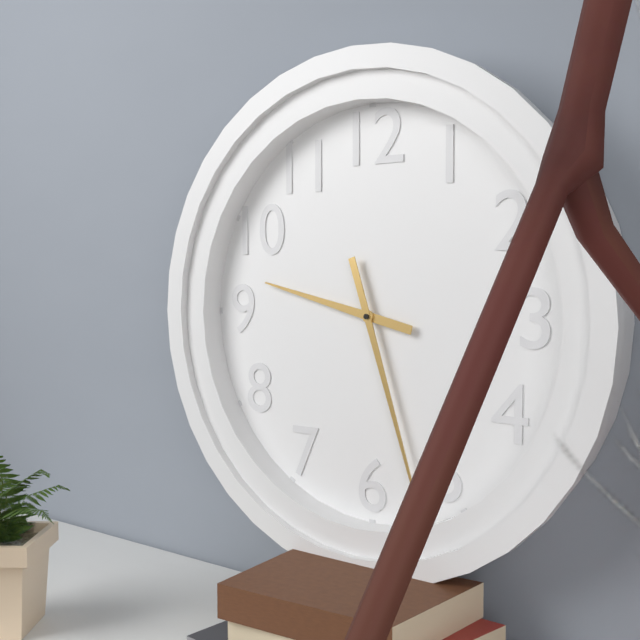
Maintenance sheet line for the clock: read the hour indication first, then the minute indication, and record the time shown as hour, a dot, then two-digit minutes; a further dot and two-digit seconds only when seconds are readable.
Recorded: 9.27
